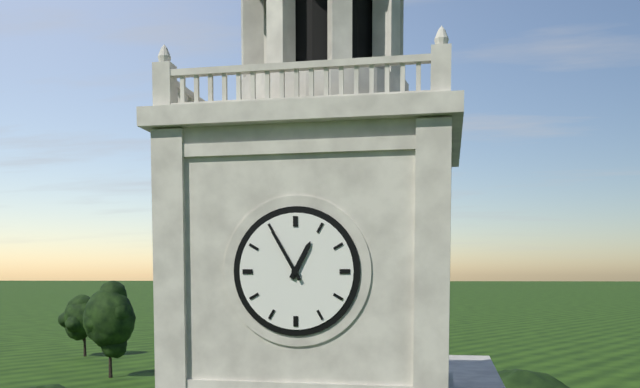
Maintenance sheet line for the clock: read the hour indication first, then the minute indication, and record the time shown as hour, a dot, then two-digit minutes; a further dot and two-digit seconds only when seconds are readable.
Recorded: 12.55
